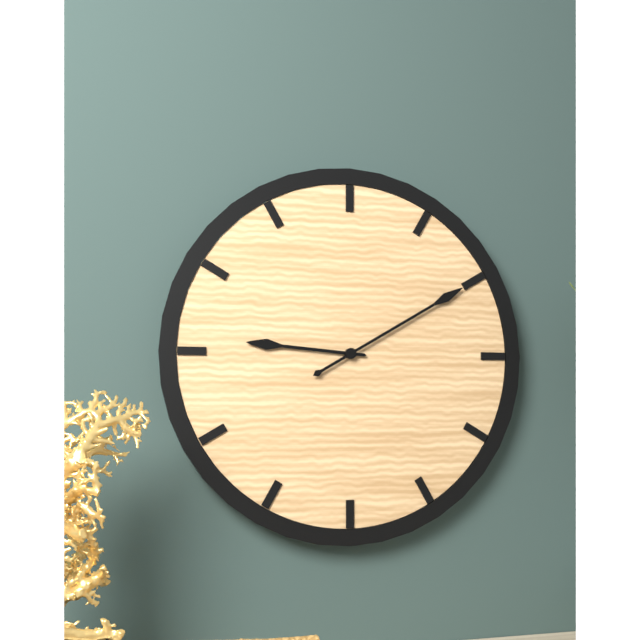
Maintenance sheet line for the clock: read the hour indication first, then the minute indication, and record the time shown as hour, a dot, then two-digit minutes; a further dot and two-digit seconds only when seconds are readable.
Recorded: 9.10
